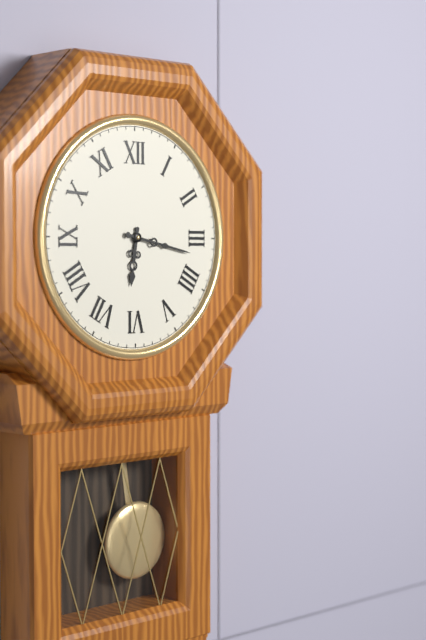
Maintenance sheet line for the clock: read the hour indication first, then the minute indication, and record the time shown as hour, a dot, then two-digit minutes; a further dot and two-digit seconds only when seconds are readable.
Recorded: 6.17
